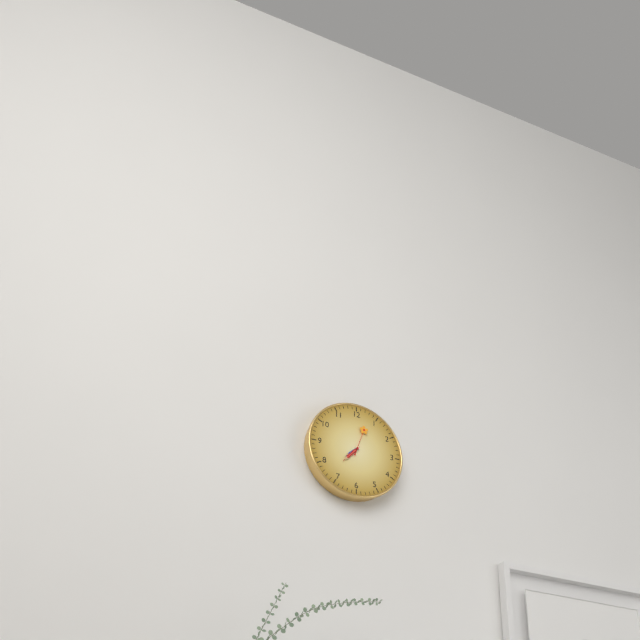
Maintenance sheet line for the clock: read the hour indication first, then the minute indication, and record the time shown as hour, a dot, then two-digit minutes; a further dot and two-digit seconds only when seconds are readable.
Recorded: 7.37
